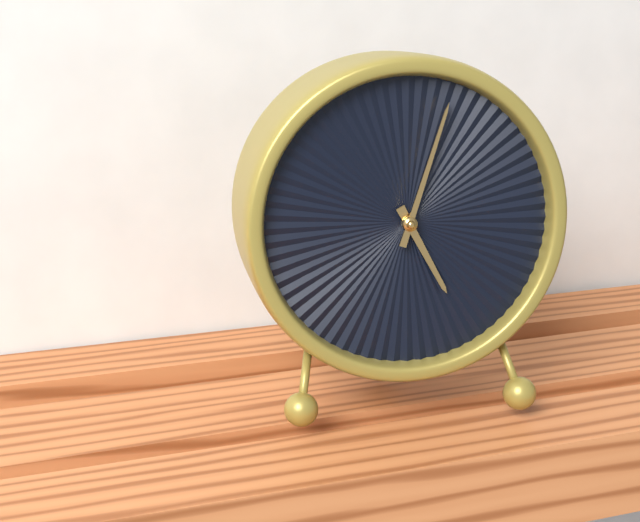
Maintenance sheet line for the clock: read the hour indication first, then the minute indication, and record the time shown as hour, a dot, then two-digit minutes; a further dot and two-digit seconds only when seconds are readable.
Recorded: 5.03
